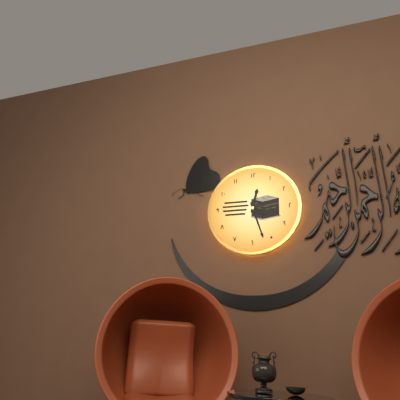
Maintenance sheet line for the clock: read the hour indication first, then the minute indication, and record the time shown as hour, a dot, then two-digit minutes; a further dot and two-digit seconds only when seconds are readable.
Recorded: 12.27
